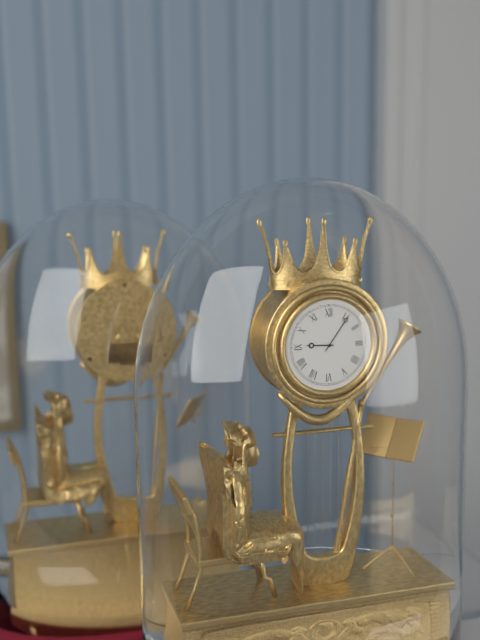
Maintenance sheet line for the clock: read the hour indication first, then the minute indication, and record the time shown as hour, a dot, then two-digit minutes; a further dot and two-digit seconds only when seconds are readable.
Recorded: 9.06
